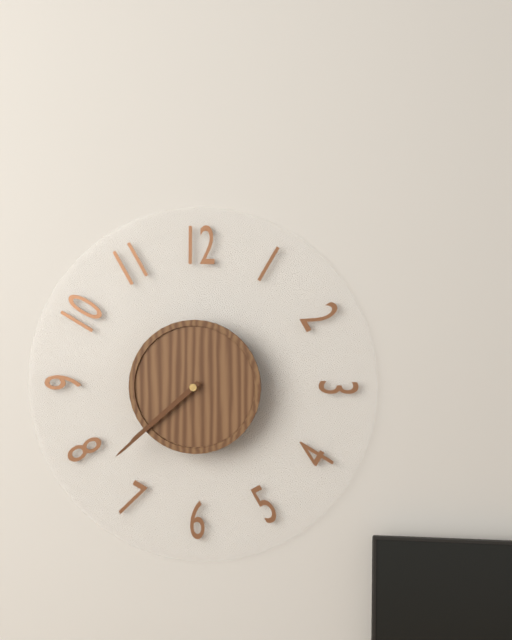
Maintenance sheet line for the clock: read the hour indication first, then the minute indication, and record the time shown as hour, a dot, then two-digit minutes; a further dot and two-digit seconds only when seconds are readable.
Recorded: 7.38
